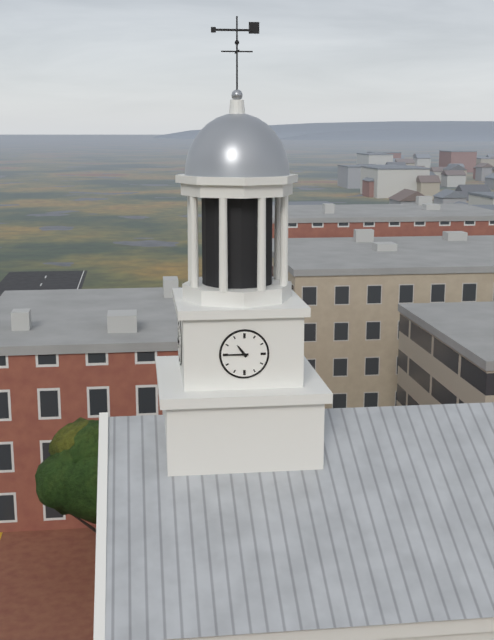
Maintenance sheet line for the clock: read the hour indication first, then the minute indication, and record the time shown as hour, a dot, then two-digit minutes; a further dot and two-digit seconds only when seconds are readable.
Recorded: 10.45
